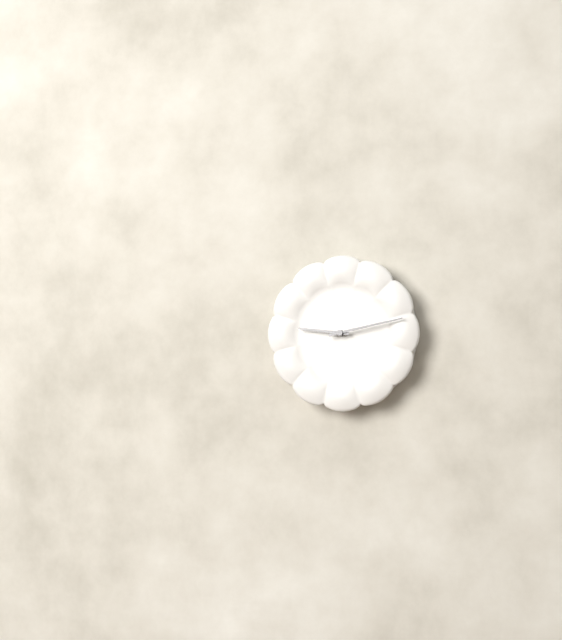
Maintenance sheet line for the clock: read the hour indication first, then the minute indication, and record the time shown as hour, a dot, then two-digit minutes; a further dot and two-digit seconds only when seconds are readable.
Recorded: 9.13
